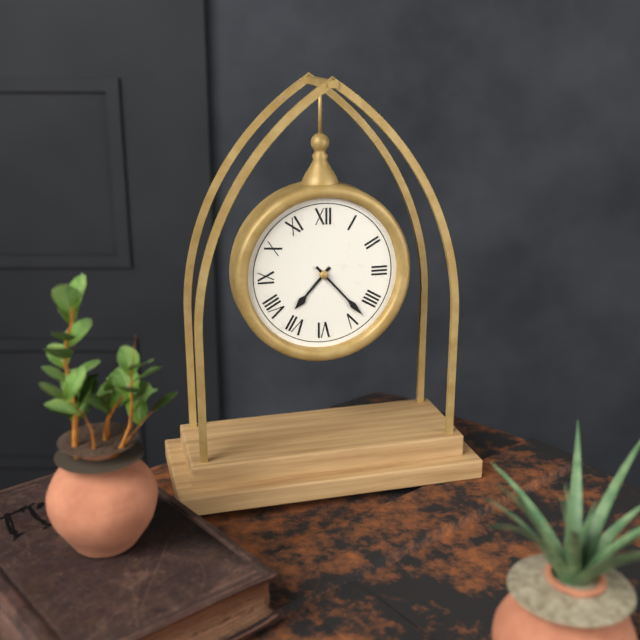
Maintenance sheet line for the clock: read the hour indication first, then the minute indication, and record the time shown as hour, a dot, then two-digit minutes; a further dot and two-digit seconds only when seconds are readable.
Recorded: 7.23
